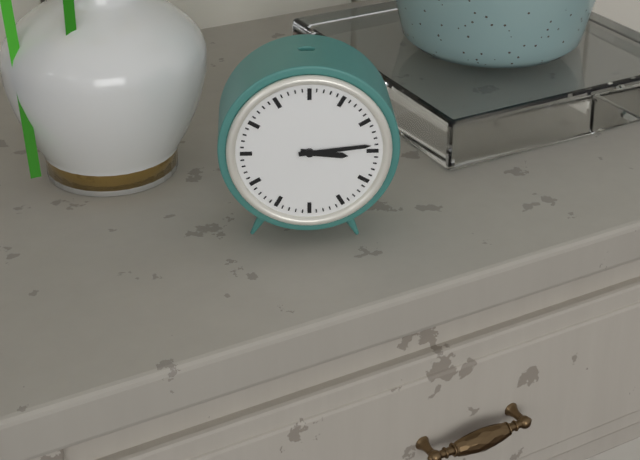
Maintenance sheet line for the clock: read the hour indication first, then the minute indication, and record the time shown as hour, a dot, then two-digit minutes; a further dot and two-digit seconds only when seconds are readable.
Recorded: 3.14
